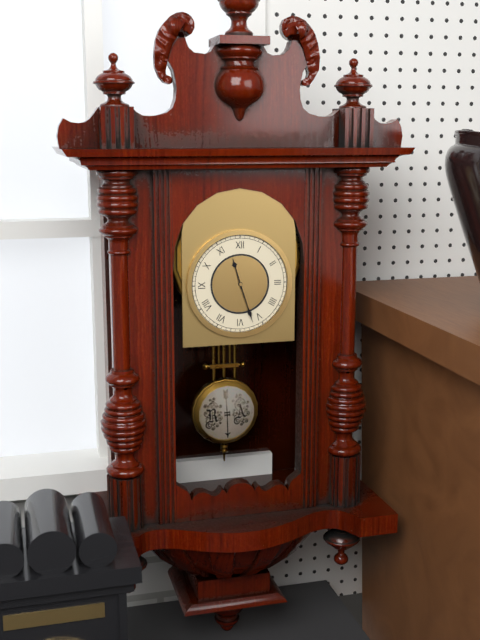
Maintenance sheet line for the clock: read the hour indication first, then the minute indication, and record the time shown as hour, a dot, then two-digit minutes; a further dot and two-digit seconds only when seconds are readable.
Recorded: 11.27
